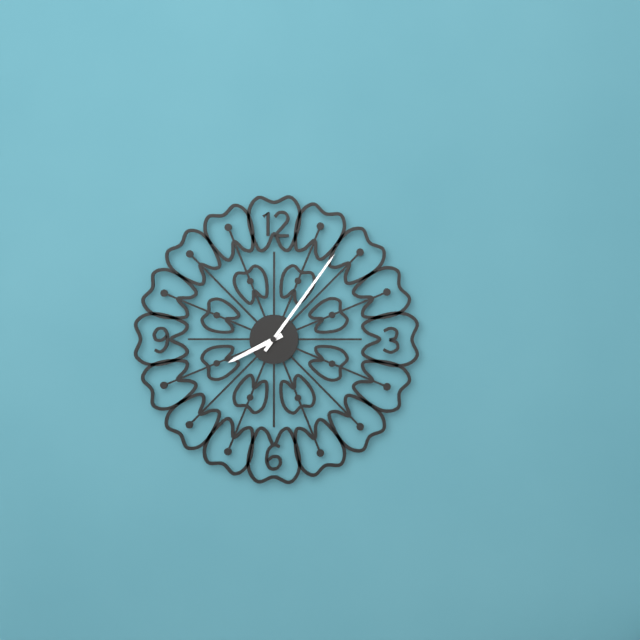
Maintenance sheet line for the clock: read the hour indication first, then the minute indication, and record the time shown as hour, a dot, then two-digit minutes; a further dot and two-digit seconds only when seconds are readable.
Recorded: 8.06
